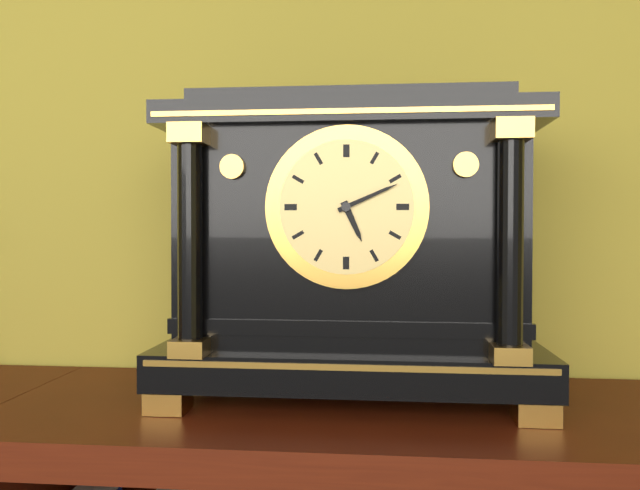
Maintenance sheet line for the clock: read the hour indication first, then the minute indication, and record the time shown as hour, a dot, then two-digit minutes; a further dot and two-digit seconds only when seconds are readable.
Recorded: 5.11
